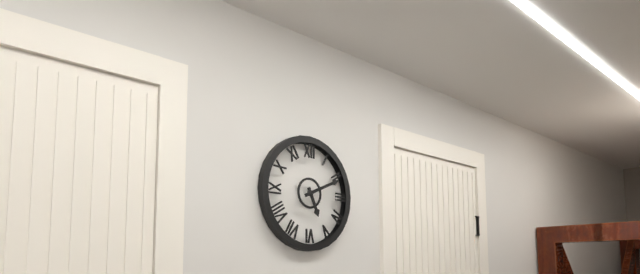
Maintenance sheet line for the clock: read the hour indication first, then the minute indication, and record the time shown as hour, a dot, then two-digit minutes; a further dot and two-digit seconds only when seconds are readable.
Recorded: 5.11
